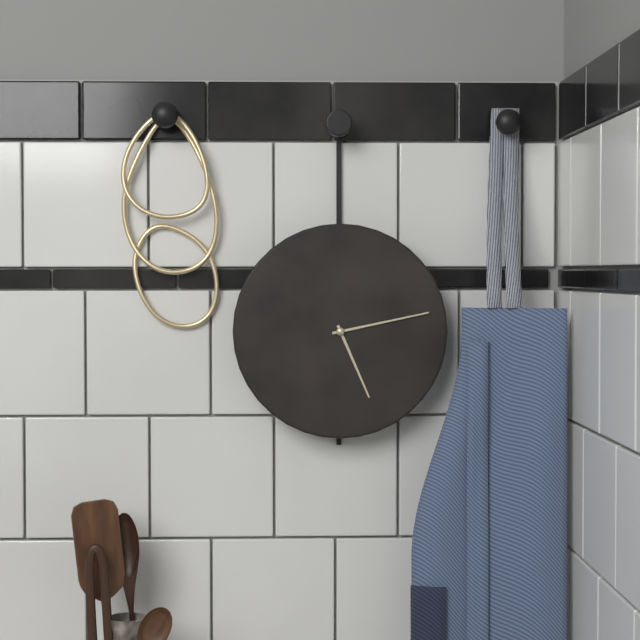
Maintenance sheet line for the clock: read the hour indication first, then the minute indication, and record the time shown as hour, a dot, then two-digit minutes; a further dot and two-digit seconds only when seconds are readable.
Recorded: 5.13
